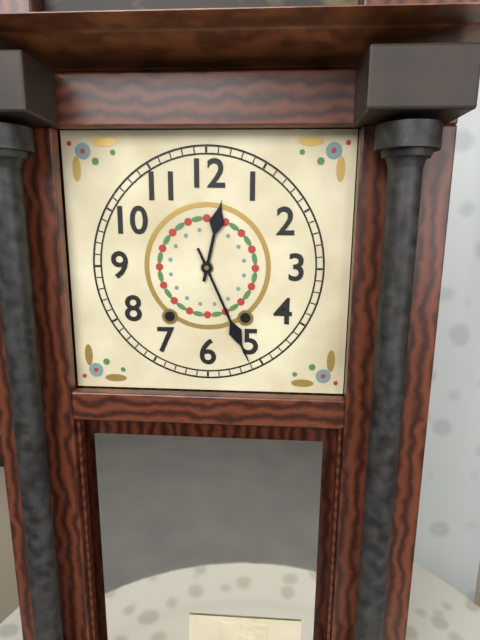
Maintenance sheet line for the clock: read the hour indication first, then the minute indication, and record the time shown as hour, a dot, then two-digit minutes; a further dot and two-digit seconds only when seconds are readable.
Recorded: 12.26
